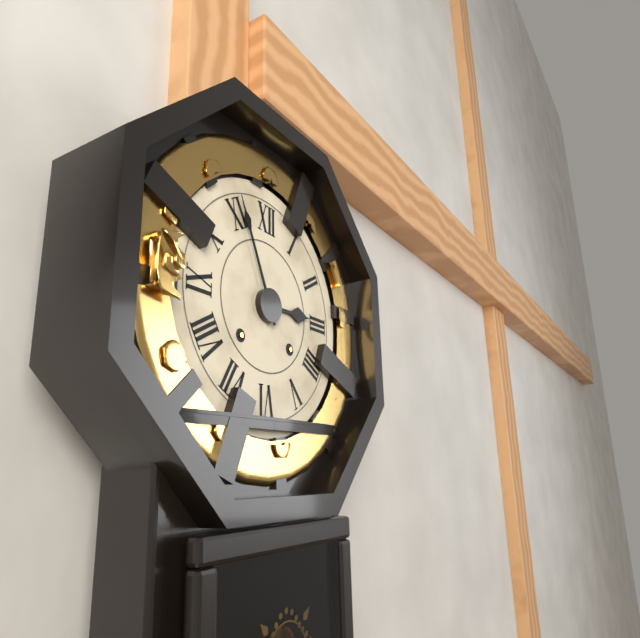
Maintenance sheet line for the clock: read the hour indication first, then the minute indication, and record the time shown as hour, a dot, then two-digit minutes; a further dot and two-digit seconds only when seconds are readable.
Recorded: 2.56
